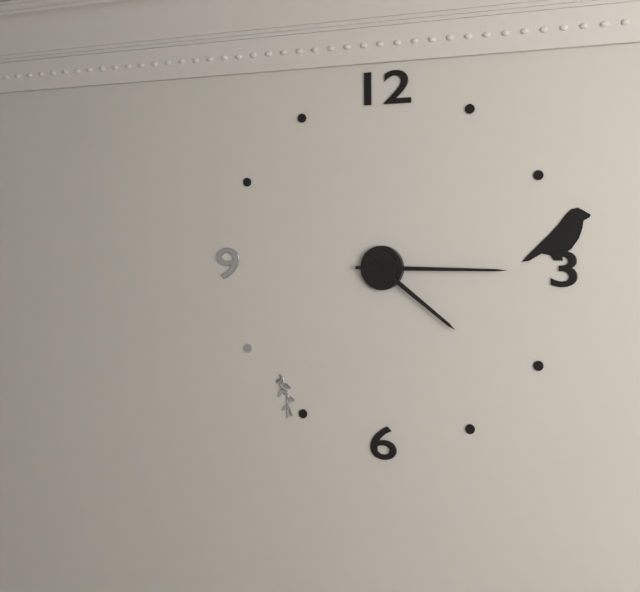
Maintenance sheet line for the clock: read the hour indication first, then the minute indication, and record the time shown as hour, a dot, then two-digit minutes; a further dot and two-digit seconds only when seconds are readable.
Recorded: 4.15
